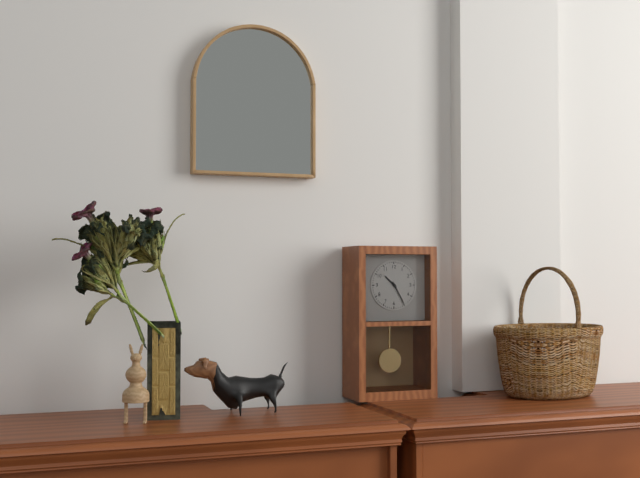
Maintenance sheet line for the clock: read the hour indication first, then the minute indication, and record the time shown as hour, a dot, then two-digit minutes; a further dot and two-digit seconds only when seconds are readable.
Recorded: 10.25
